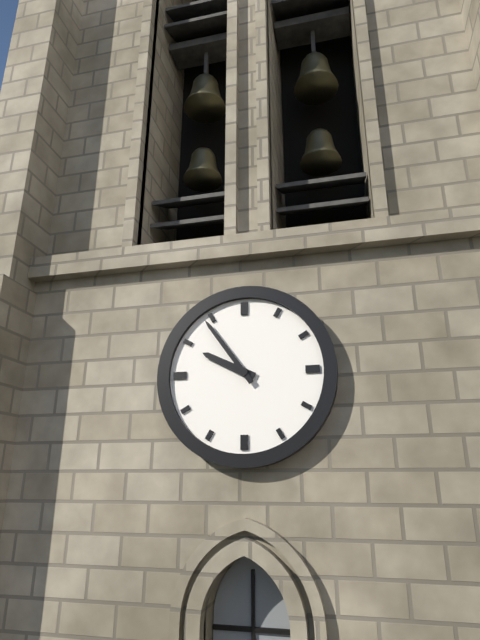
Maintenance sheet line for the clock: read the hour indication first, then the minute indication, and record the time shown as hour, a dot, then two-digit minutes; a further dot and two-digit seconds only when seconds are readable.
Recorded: 9.54
